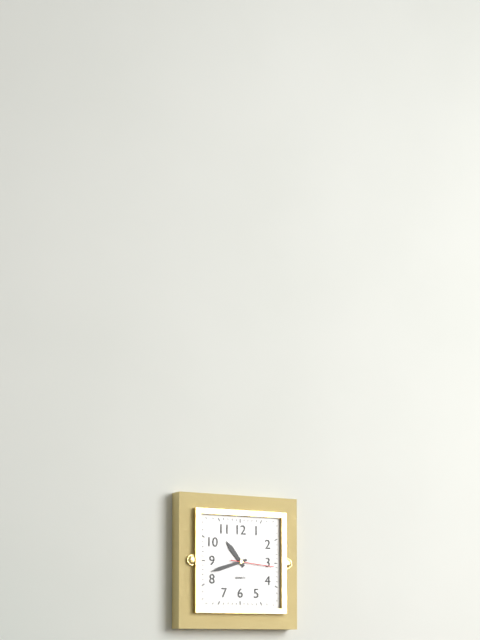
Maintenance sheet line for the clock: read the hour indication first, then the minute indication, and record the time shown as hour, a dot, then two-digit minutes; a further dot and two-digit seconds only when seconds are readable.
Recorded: 10.42
